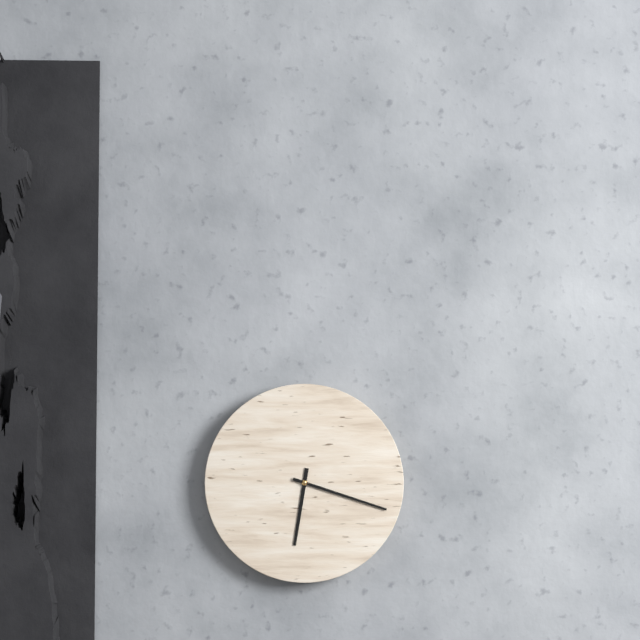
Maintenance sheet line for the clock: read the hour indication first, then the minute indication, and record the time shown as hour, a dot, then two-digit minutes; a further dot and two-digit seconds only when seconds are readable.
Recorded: 6.18
